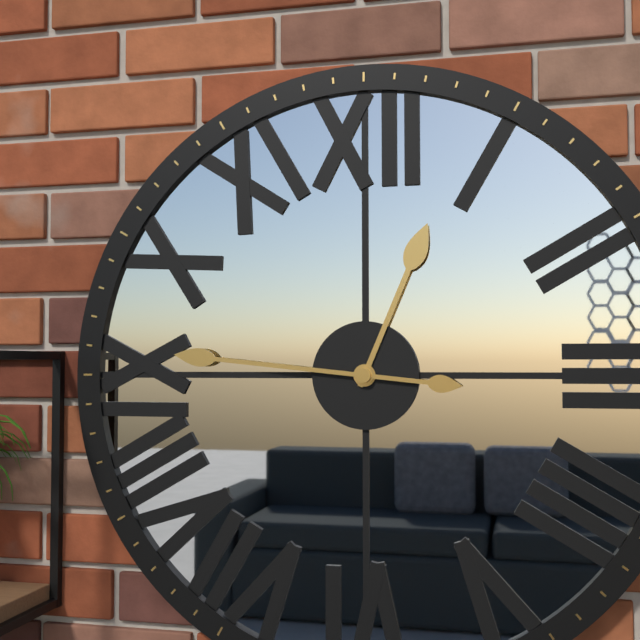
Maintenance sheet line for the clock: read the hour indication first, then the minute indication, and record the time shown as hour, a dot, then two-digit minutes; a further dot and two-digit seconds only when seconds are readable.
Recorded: 12.46
